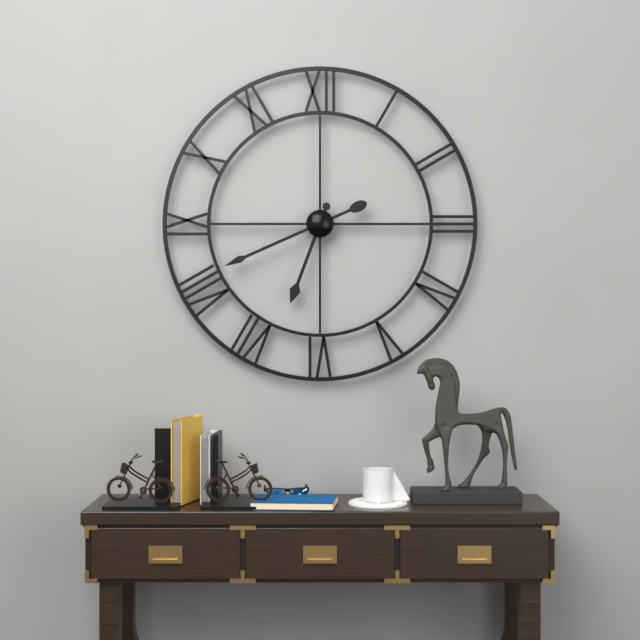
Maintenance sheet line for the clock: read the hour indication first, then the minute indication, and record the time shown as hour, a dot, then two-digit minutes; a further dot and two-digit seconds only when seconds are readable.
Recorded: 6.41
